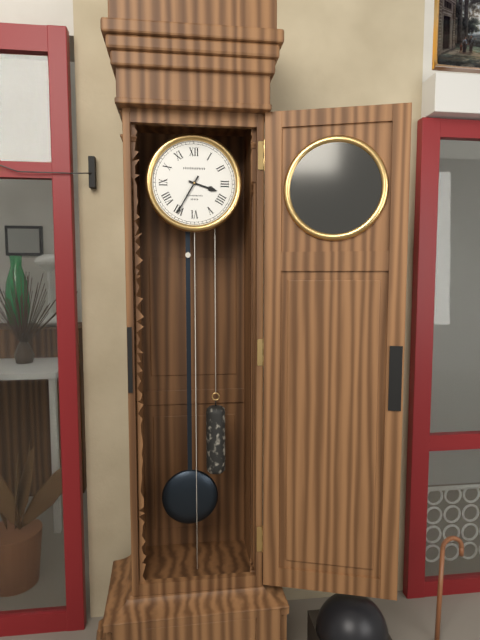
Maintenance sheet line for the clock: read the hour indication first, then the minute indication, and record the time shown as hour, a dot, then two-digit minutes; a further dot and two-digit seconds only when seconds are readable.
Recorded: 3.35
